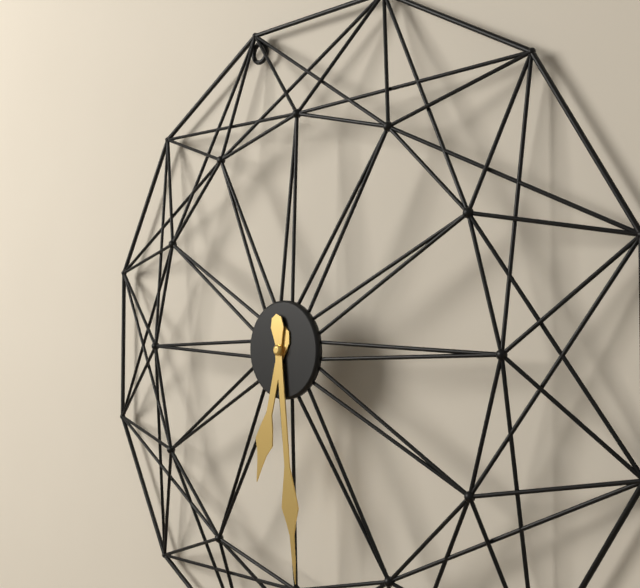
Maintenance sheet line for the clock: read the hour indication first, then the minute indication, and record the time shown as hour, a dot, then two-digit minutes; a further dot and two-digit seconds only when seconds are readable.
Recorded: 6.29
